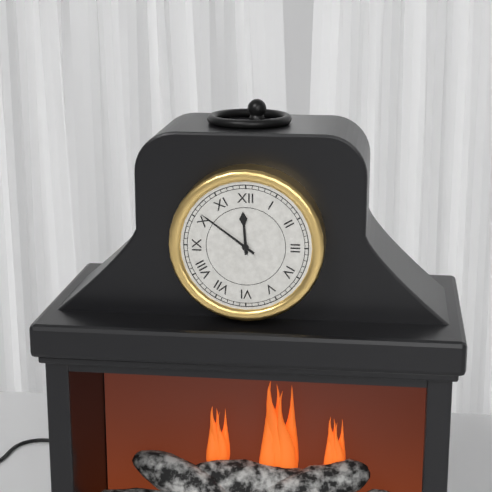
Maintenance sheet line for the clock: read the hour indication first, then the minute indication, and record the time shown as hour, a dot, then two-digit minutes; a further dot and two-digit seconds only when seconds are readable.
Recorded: 11.51
